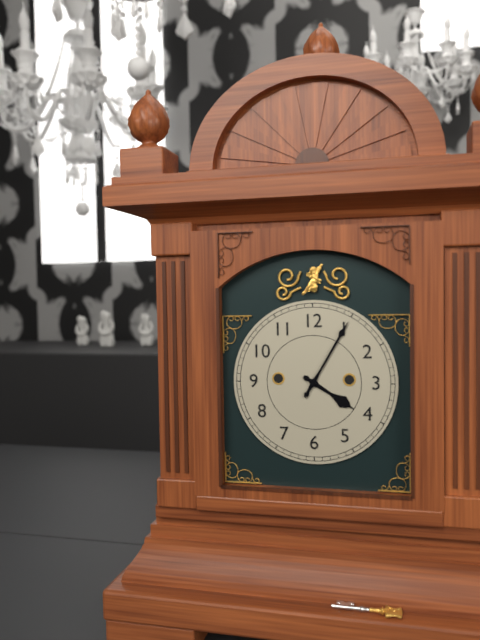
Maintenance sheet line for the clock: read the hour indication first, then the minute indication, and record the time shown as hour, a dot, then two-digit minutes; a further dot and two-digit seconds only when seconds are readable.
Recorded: 4.05
